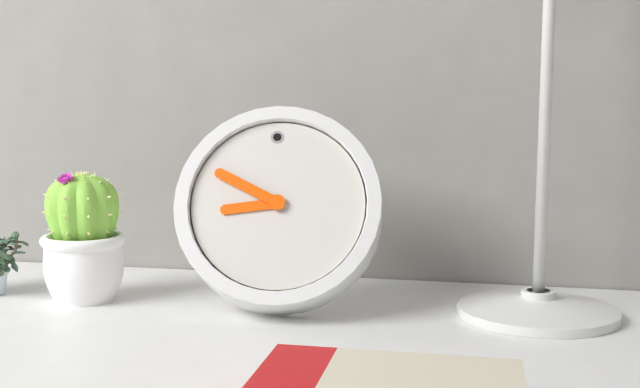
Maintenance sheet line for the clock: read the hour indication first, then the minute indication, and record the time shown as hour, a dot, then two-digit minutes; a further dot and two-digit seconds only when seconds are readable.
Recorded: 8.50
